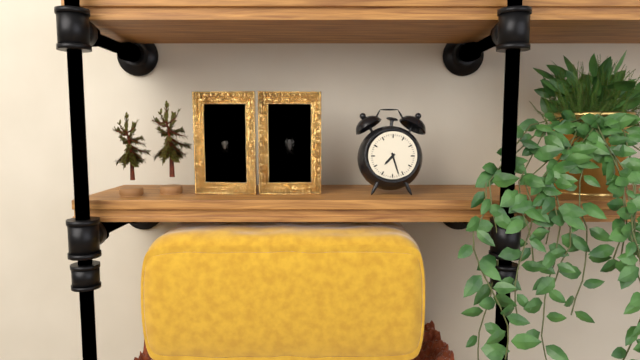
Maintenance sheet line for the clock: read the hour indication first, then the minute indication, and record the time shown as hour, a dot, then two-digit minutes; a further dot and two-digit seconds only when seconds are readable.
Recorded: 7.27
